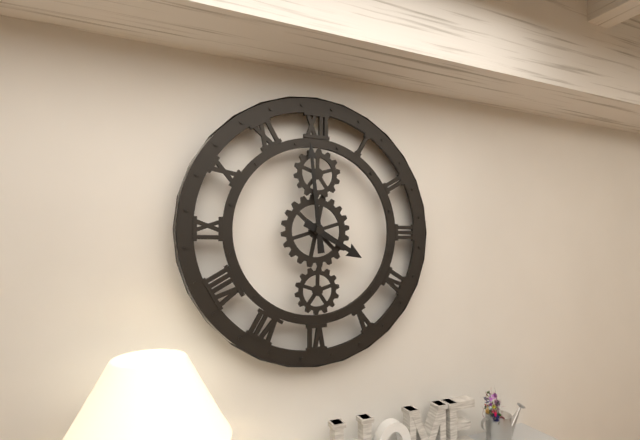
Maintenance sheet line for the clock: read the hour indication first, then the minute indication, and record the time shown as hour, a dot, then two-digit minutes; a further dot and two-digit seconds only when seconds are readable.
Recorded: 3.59
